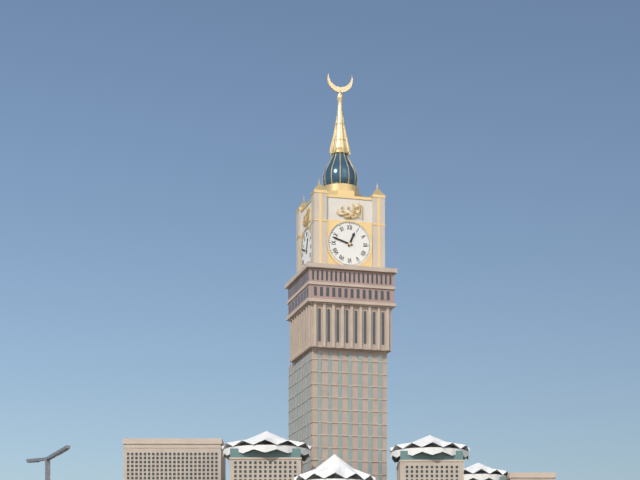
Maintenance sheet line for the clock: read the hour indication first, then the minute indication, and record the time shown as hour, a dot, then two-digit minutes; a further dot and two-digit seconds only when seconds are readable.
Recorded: 12.48
